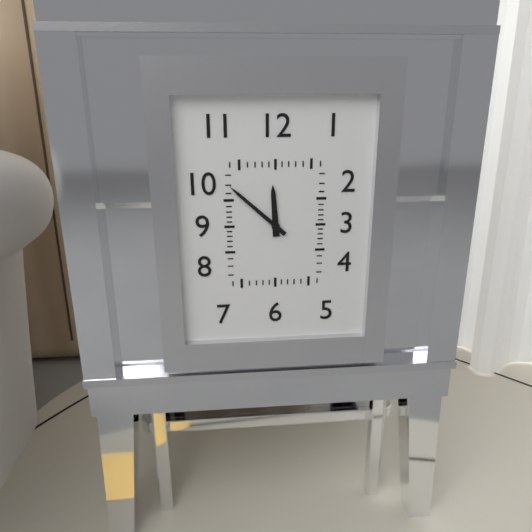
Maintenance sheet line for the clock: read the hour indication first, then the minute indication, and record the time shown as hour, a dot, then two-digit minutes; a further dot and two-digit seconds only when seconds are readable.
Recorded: 11.52
